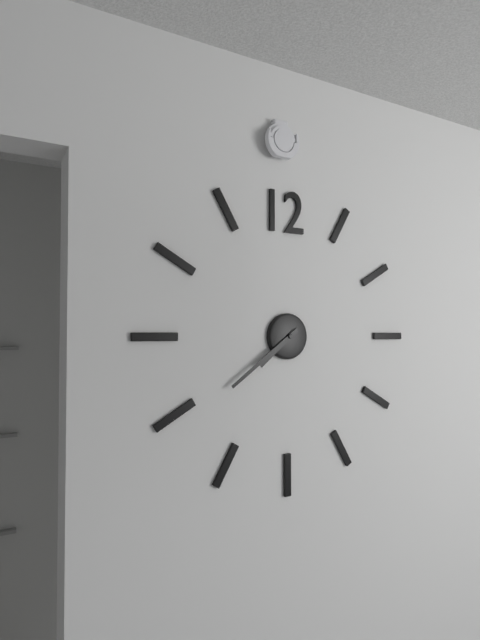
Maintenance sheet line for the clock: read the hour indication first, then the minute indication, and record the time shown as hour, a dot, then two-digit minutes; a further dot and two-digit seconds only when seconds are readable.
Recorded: 7.39
